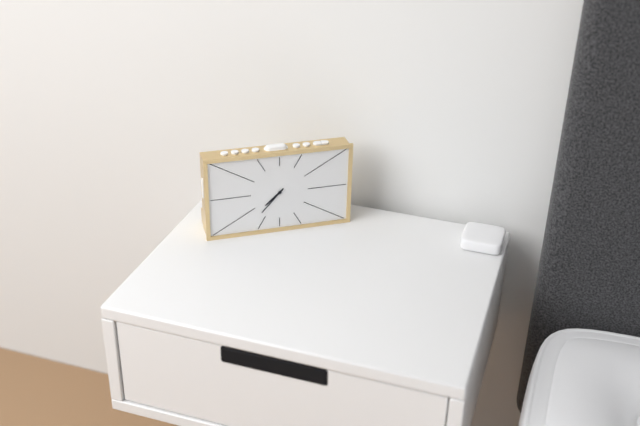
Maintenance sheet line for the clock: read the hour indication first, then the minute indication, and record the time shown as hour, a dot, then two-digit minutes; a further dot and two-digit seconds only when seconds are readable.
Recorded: 7.37
